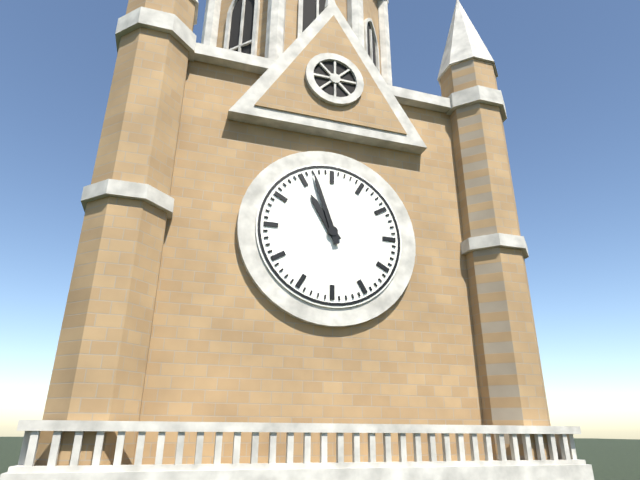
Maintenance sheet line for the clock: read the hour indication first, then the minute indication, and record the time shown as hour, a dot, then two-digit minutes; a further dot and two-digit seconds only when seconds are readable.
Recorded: 10.57
